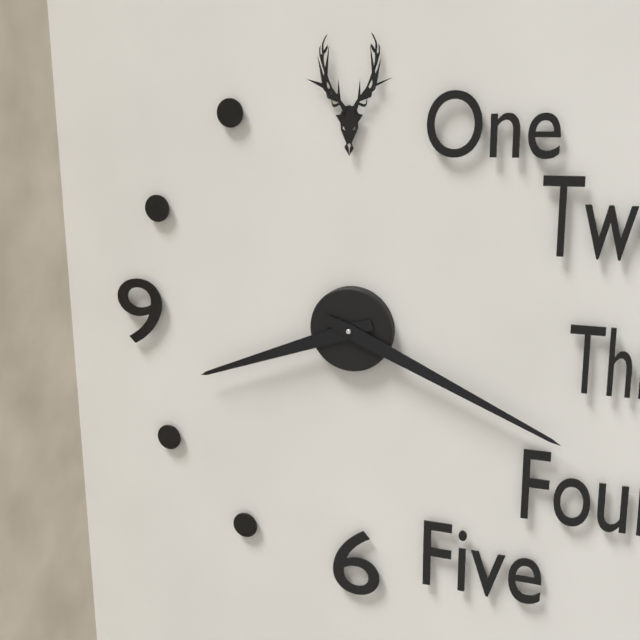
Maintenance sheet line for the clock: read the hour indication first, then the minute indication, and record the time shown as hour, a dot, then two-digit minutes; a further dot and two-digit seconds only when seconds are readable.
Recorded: 8.19
